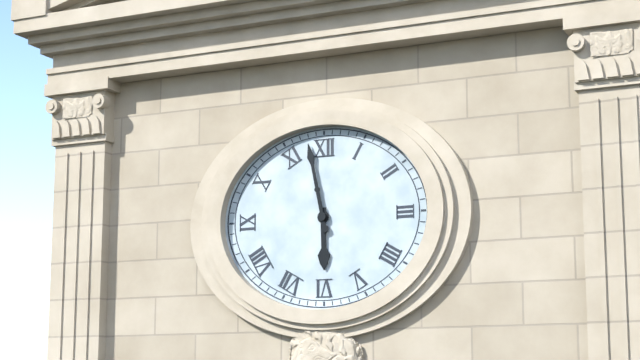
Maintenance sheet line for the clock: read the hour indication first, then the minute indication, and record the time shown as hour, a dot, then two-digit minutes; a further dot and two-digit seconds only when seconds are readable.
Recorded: 5.58
